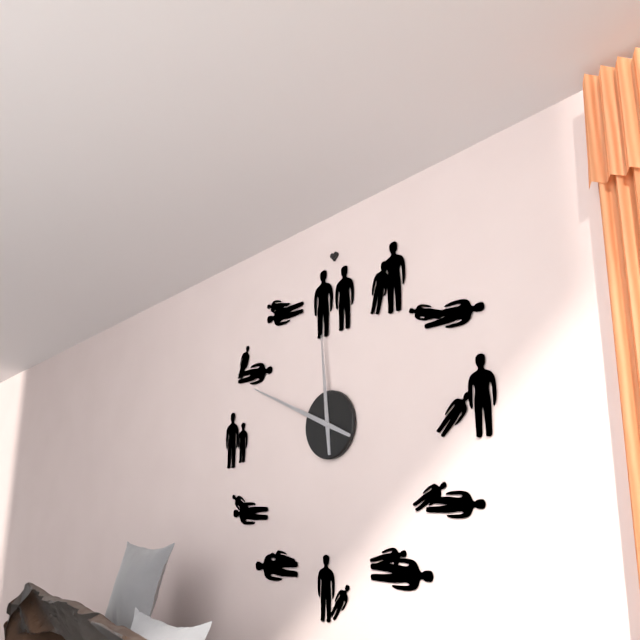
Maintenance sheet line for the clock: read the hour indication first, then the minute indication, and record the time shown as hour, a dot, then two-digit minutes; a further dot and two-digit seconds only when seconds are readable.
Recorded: 11.49
